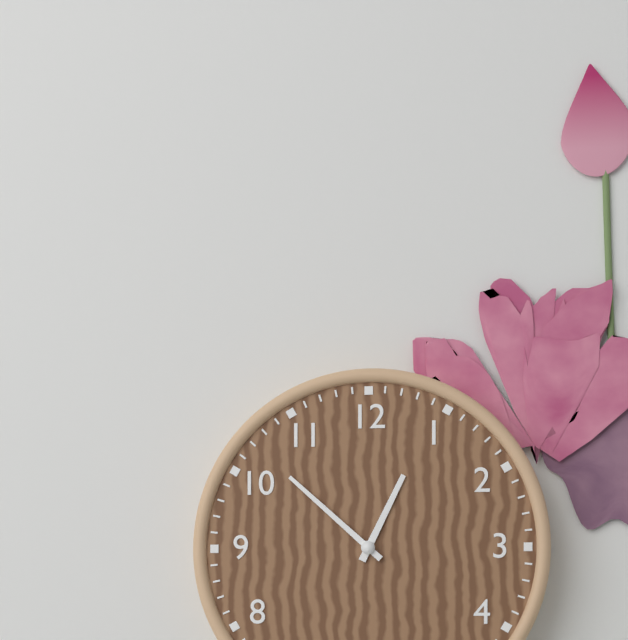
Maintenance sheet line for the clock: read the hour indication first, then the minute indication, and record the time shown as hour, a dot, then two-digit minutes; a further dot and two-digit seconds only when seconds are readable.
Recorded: 12.52
